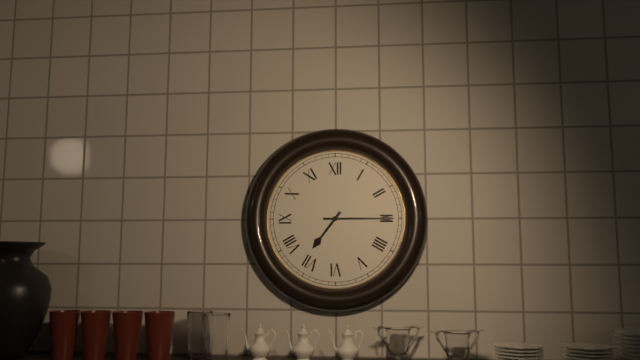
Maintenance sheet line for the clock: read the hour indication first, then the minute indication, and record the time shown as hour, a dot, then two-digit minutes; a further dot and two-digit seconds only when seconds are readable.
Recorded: 7.15
